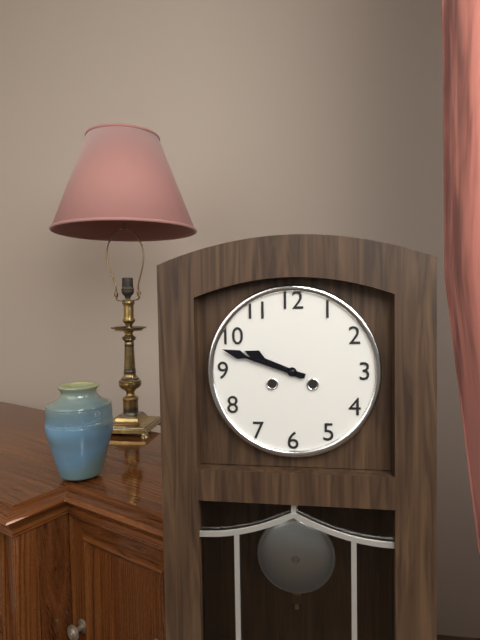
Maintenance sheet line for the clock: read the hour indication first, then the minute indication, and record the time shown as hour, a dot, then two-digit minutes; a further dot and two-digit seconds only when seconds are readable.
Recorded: 9.48
